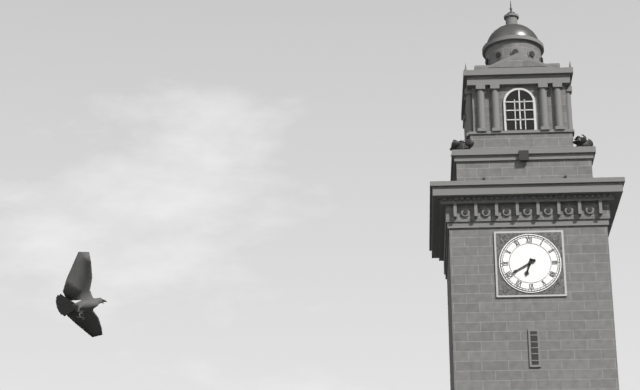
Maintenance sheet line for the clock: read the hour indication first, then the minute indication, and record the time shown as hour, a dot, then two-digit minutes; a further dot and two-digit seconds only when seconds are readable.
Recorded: 6.40
